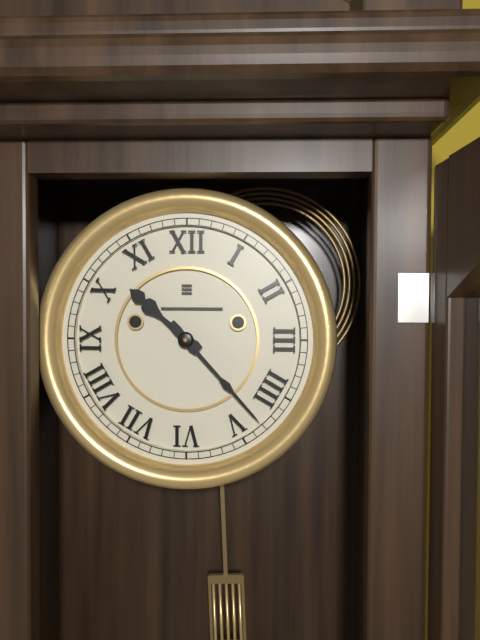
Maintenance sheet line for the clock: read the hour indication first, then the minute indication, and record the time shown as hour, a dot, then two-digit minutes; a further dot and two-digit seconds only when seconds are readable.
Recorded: 10.23
